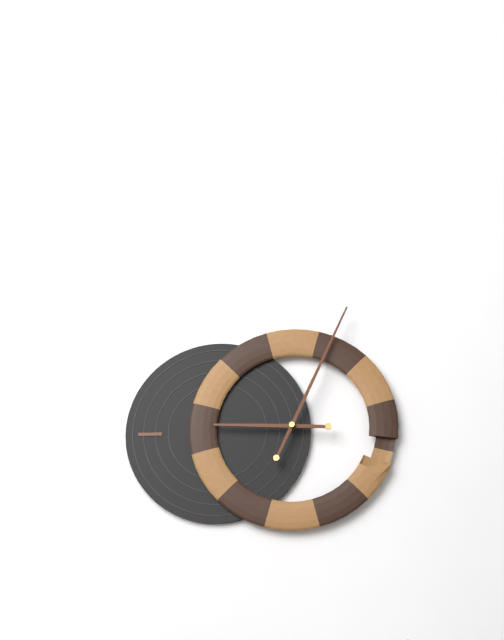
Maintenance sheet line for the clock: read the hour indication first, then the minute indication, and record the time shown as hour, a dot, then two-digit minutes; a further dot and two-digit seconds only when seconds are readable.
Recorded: 9.04
